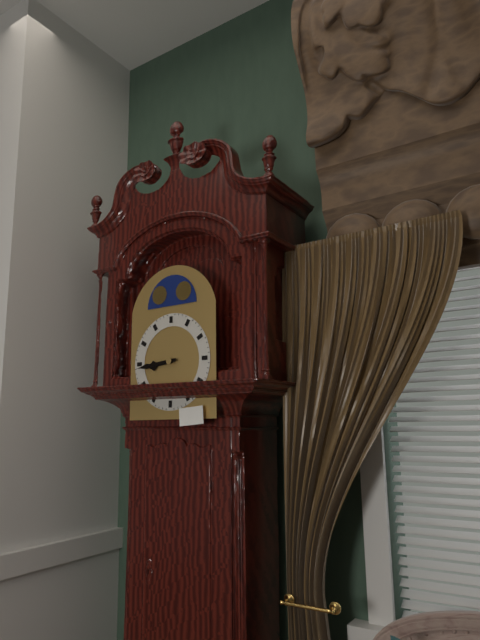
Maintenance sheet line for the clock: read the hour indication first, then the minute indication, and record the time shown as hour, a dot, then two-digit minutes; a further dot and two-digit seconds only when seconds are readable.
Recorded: 8.44
